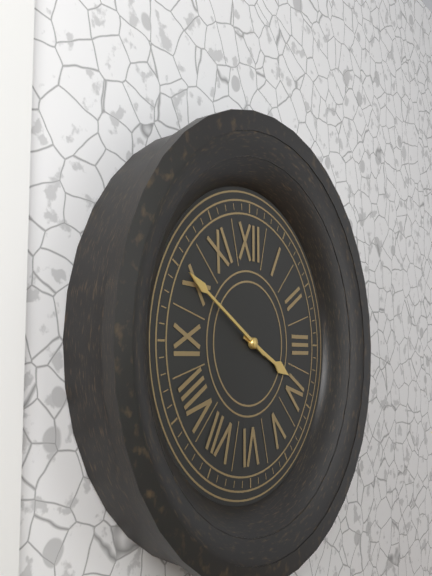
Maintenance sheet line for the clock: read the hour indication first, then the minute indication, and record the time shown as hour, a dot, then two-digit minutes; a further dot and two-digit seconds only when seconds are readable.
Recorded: 3.50
